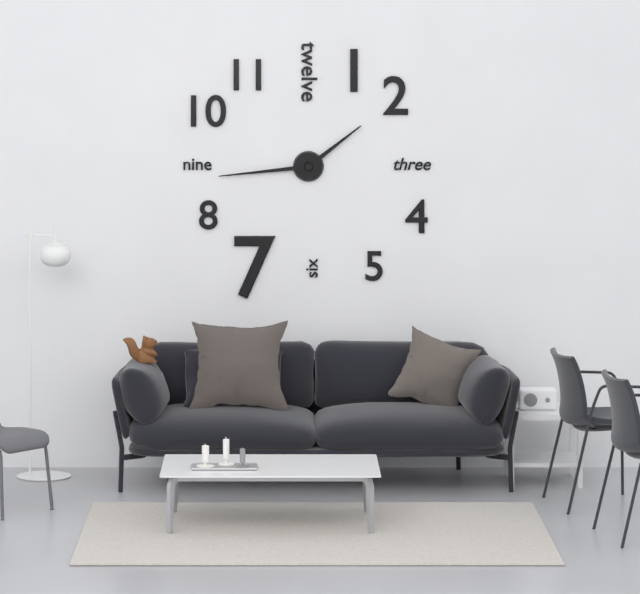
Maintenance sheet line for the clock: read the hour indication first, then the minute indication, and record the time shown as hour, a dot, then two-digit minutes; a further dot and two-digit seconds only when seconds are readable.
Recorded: 1.44
